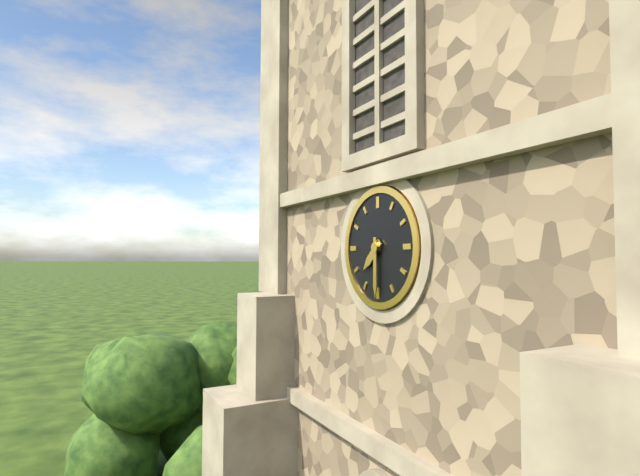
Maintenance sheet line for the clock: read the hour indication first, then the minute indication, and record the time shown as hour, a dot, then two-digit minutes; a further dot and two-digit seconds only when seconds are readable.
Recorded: 7.30
